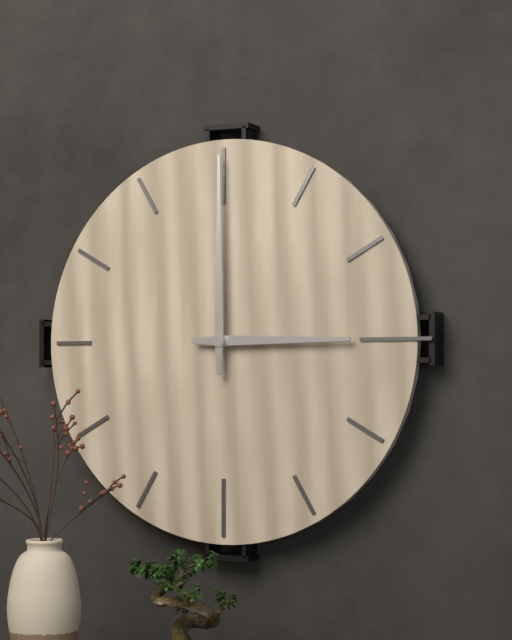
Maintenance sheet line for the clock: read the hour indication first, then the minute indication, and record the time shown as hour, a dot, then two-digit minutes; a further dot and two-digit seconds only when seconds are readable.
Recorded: 3.00
